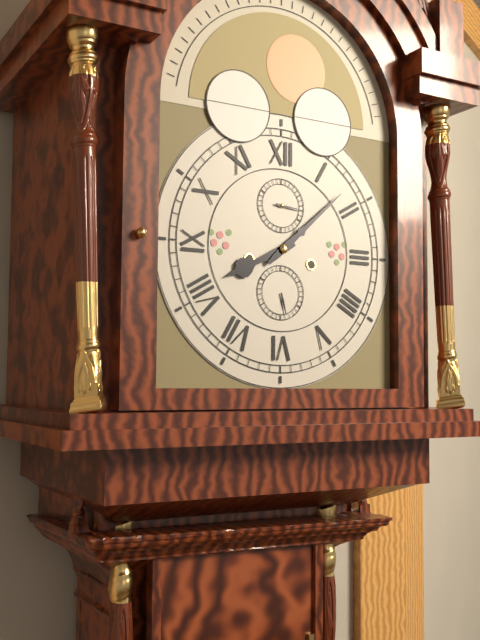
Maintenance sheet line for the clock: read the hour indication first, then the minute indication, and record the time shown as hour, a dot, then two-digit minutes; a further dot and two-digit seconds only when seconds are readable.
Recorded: 8.08
